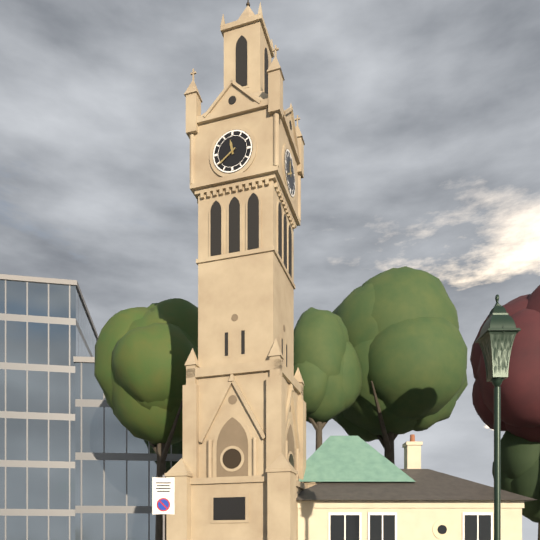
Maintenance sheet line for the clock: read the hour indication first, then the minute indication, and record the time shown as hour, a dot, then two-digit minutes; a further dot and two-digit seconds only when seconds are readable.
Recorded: 11.39
